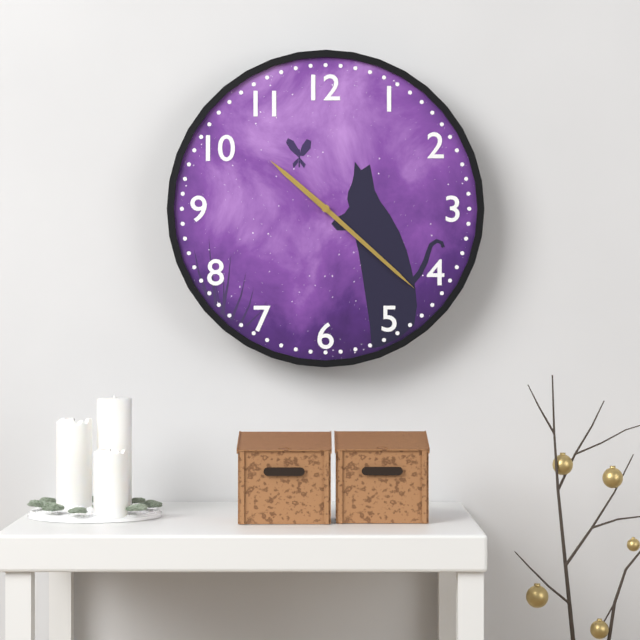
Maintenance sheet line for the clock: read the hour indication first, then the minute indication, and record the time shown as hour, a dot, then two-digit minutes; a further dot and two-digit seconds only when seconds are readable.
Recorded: 10.22
